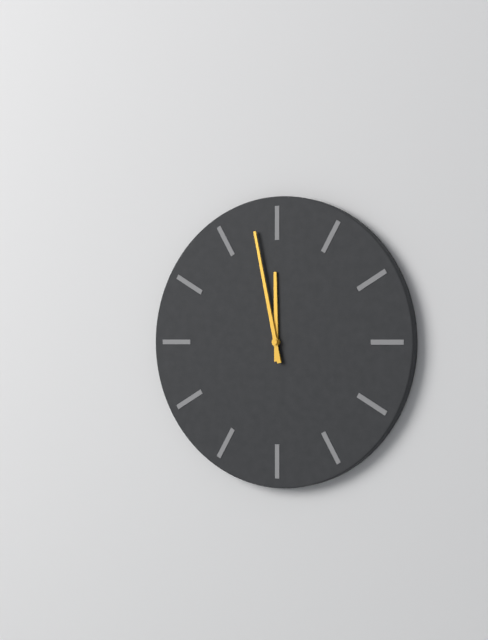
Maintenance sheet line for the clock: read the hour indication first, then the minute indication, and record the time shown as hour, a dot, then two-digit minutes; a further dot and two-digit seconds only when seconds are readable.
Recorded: 11.58
